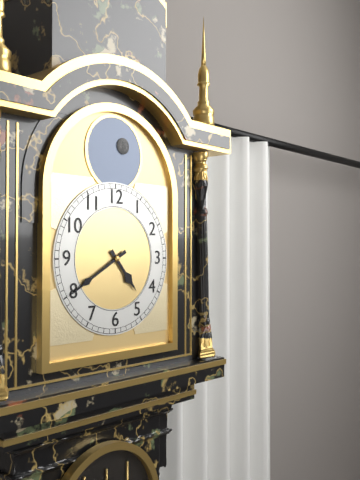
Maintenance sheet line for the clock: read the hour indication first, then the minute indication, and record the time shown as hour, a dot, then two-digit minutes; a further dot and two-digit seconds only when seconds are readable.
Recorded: 4.40
